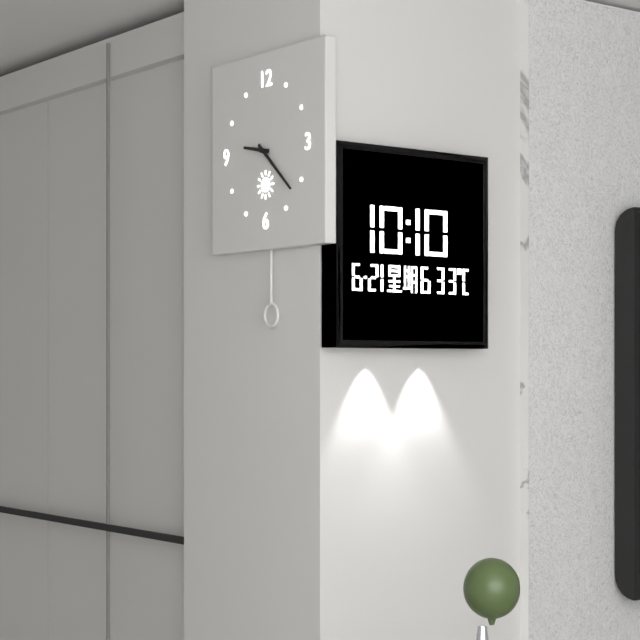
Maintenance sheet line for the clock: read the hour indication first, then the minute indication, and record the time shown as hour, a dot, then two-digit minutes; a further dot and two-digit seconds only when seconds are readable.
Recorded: 9.22
